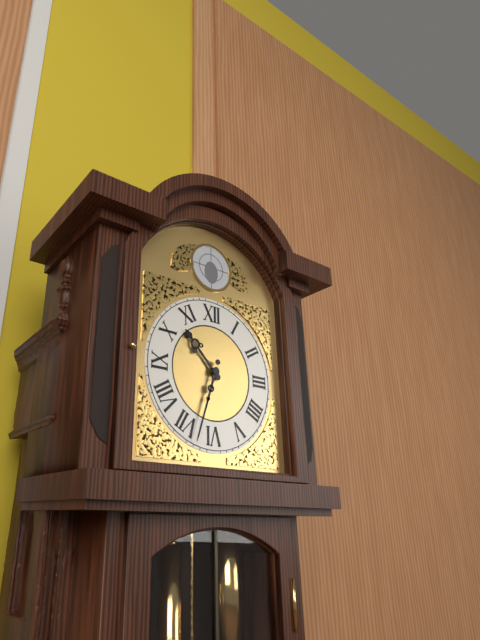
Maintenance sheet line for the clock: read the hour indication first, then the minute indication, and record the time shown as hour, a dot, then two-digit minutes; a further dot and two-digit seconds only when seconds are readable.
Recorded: 10.33
